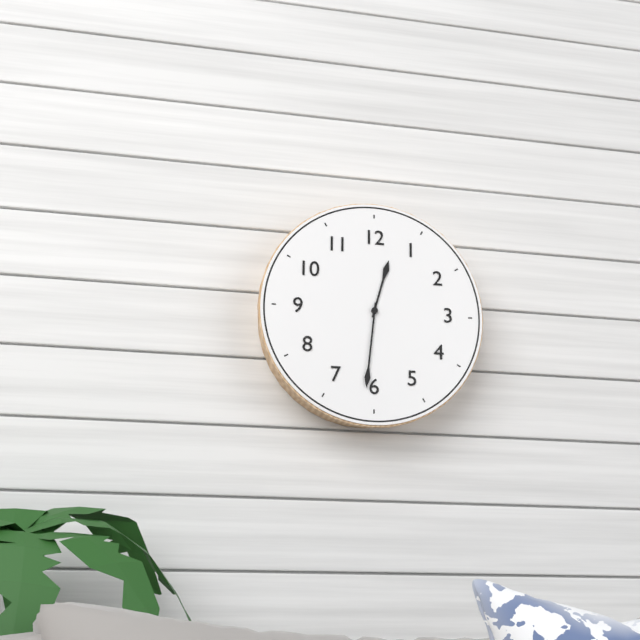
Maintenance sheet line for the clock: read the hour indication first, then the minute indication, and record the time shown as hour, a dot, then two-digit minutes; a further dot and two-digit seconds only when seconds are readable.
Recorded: 12.31
